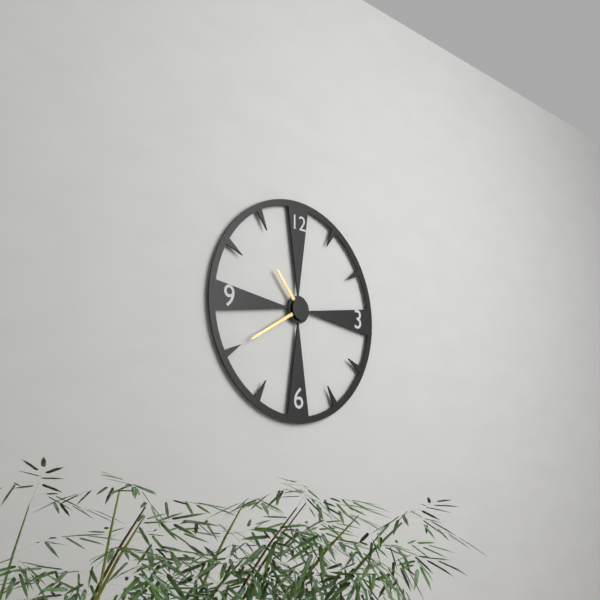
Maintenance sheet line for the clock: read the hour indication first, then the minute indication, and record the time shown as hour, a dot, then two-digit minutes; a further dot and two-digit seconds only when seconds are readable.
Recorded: 10.40
